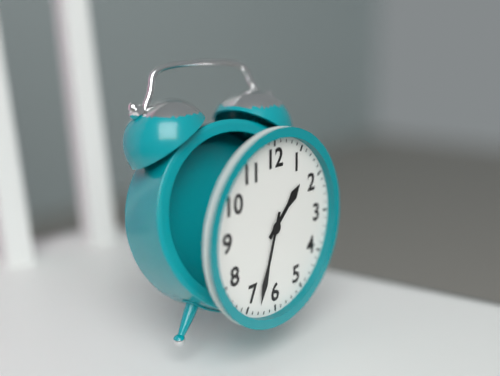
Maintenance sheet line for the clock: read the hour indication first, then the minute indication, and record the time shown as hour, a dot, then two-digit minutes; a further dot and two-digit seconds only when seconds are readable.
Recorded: 1.33
